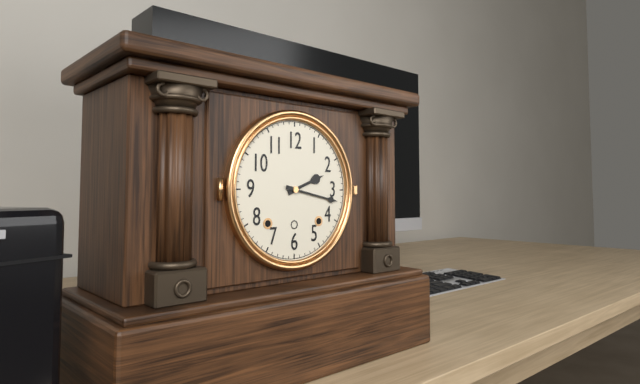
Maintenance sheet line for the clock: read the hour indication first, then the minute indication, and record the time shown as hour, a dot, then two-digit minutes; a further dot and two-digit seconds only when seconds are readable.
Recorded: 2.17
